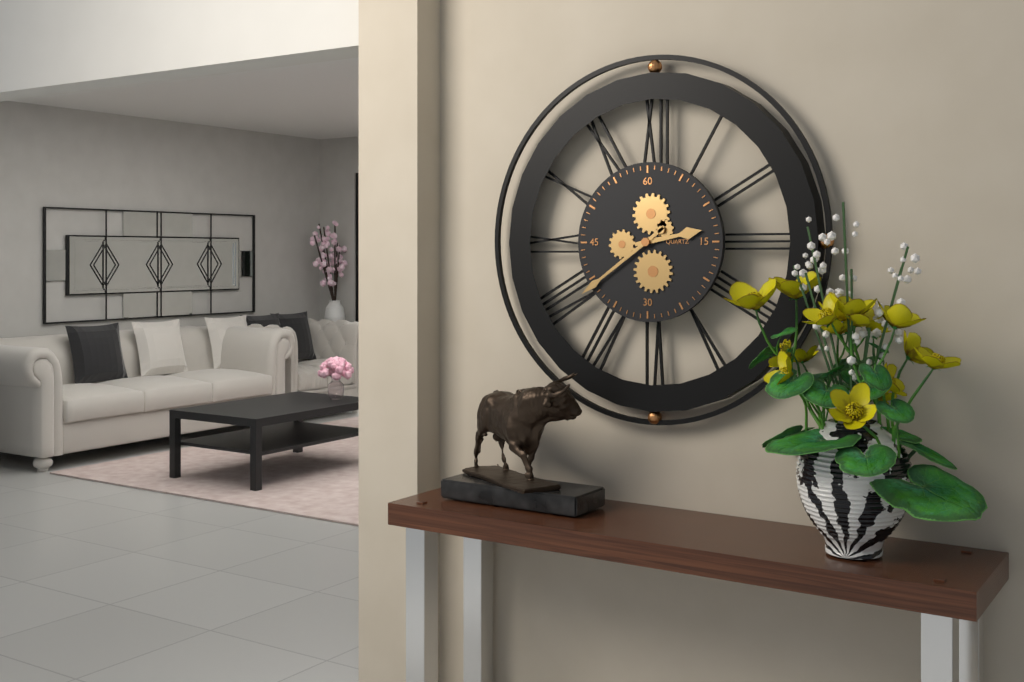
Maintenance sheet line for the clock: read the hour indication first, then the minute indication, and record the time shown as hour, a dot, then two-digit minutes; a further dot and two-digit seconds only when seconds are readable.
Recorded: 2.39
